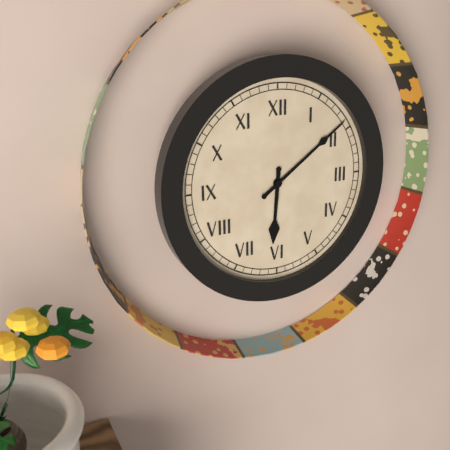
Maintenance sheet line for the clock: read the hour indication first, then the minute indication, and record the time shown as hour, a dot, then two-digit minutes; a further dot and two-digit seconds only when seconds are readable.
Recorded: 6.09
